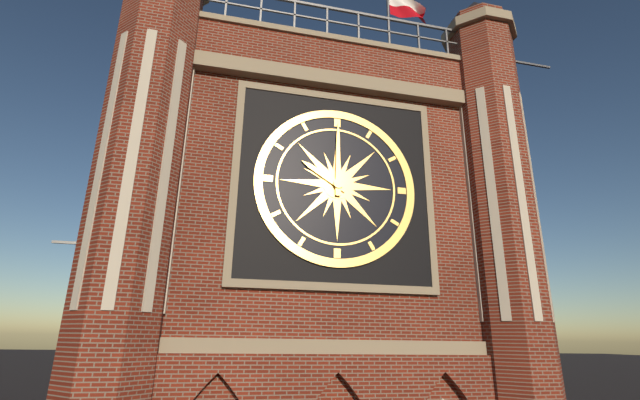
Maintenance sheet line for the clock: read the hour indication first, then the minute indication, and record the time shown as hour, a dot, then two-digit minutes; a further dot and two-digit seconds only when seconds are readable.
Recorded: 10.00
